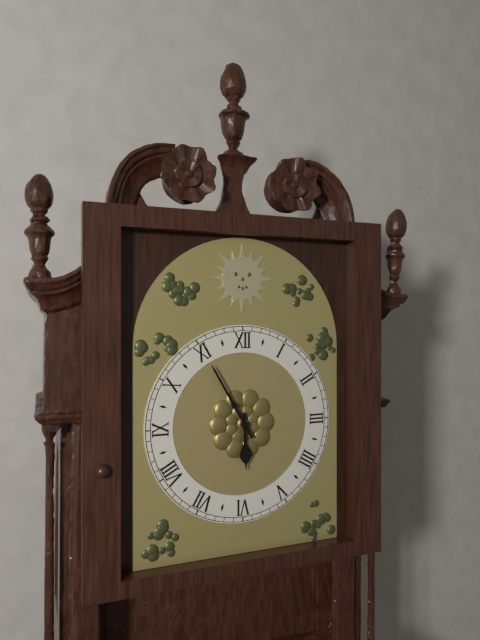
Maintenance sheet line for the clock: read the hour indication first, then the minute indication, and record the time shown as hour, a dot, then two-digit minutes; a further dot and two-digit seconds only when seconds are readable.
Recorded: 5.55
